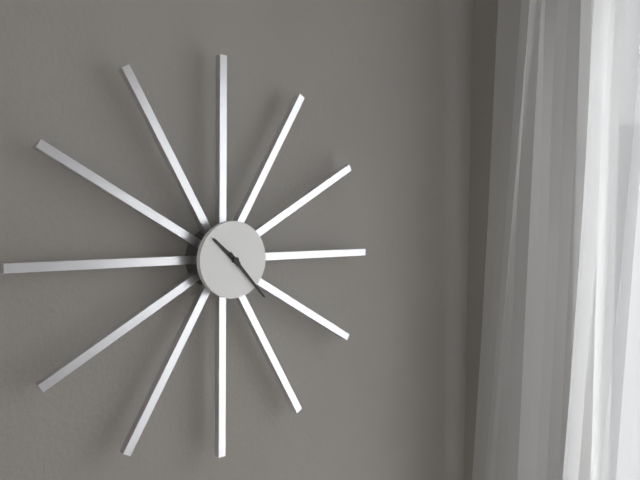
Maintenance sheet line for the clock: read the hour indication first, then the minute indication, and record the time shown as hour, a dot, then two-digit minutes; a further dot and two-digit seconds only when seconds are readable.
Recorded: 10.23
